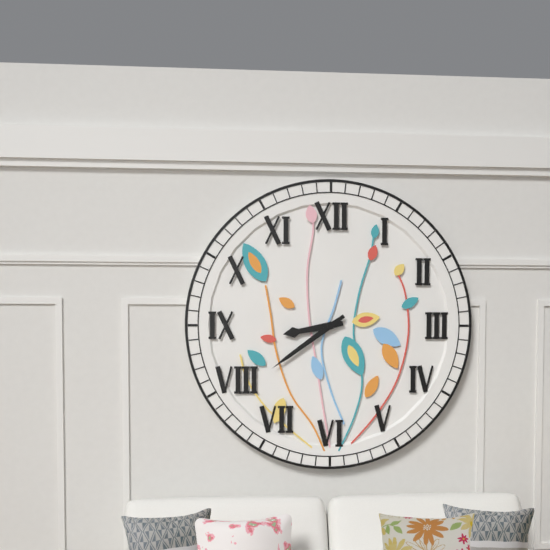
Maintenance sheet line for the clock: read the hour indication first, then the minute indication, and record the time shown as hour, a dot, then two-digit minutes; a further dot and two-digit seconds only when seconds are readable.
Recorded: 8.39
